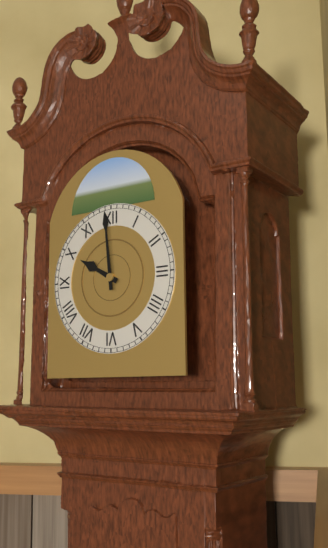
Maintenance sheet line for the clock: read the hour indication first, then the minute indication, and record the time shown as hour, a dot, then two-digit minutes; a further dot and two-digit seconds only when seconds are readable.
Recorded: 9.59
